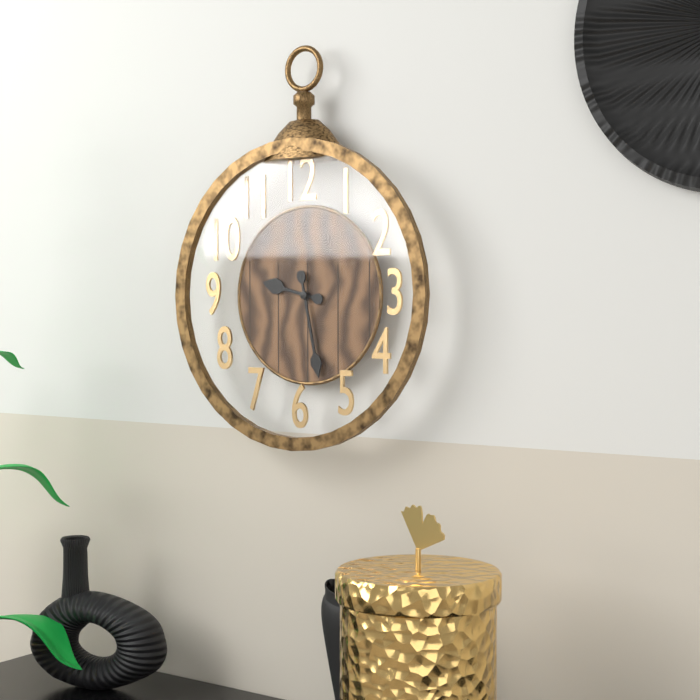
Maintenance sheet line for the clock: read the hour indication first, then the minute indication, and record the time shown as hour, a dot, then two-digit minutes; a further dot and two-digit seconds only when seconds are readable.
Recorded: 9.28
